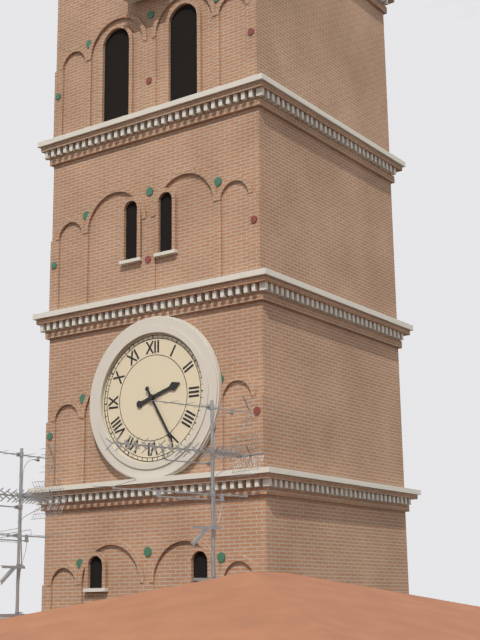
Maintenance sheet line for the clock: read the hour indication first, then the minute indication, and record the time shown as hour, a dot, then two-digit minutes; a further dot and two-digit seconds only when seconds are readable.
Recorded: 2.25
